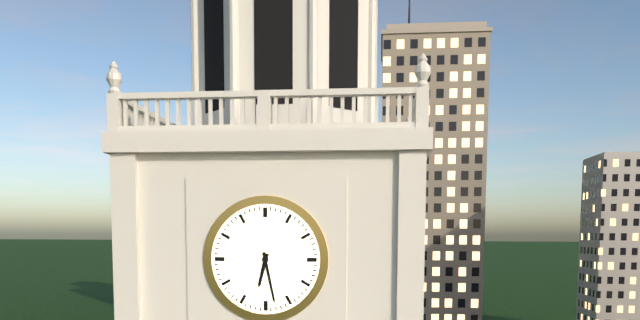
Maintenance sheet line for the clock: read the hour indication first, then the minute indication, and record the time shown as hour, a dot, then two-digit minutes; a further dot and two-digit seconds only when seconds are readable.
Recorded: 6.28
